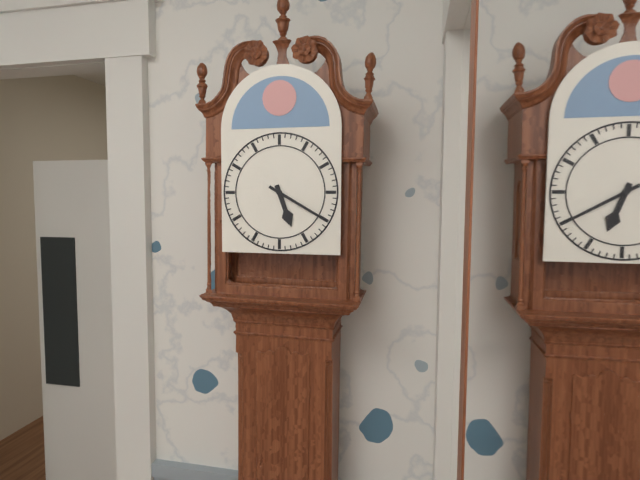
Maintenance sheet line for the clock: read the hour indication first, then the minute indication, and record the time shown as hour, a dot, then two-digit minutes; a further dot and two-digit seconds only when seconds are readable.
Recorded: 5.20
